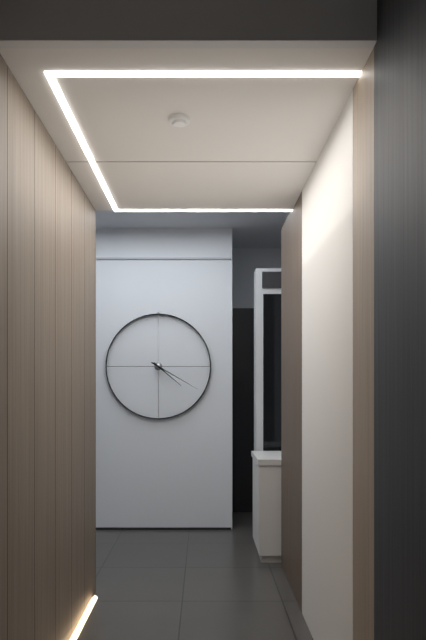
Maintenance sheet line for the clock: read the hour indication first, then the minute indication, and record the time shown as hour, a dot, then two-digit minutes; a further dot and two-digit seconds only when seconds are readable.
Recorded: 4.20
